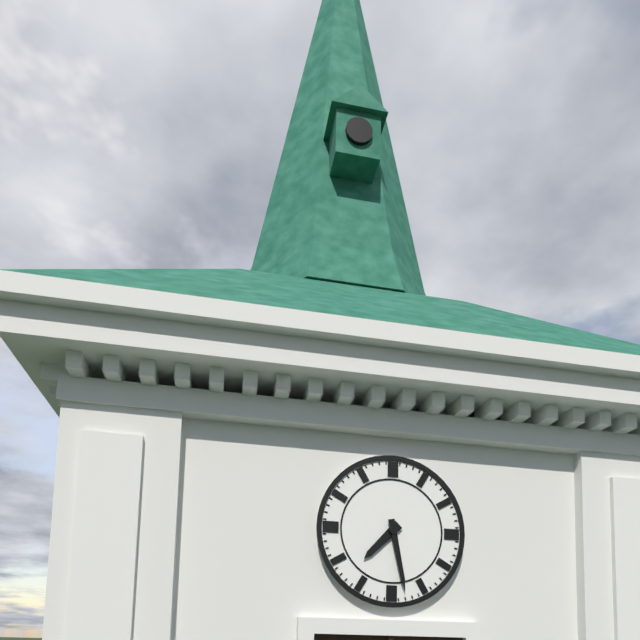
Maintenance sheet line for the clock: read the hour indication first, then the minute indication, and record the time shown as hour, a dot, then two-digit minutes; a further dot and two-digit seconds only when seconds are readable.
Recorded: 7.28
